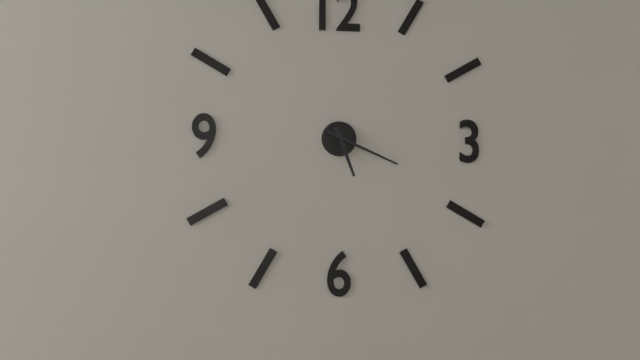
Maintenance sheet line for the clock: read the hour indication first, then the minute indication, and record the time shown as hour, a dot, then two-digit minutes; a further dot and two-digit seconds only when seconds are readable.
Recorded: 5.19
